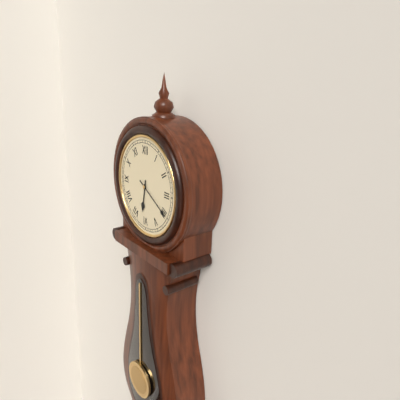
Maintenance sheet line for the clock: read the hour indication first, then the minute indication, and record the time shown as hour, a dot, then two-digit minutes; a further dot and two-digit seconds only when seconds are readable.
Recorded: 6.20
